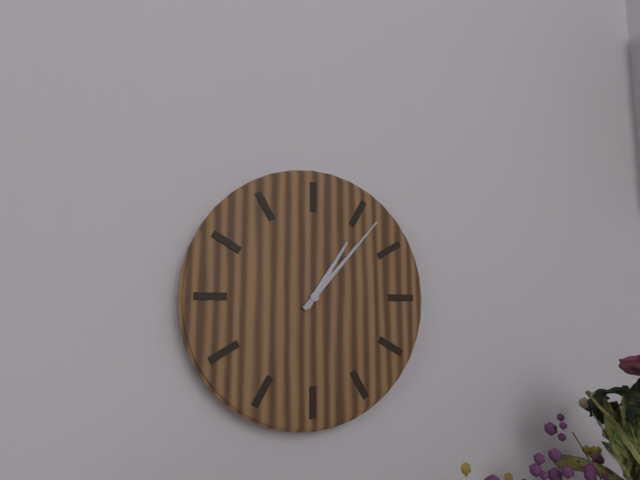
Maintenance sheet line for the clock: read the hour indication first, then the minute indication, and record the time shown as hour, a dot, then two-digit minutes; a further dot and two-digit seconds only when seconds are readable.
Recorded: 1.07
